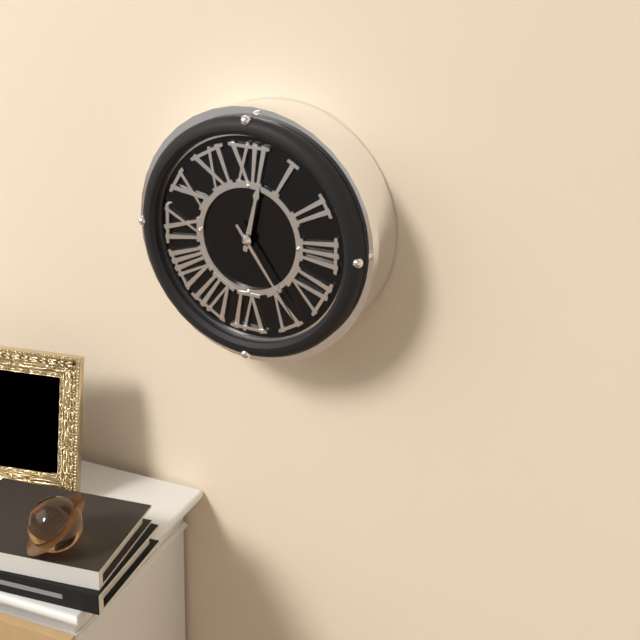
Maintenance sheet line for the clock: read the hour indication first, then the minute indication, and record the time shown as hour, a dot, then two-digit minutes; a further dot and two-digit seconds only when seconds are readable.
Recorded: 12.24
